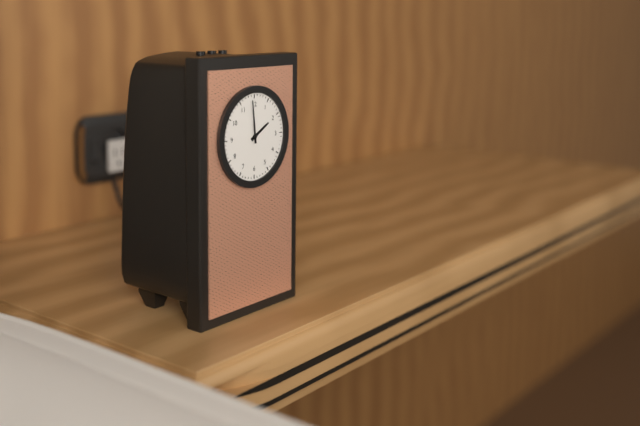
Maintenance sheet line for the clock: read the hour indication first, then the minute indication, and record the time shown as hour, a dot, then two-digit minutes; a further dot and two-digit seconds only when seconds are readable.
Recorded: 1.59
